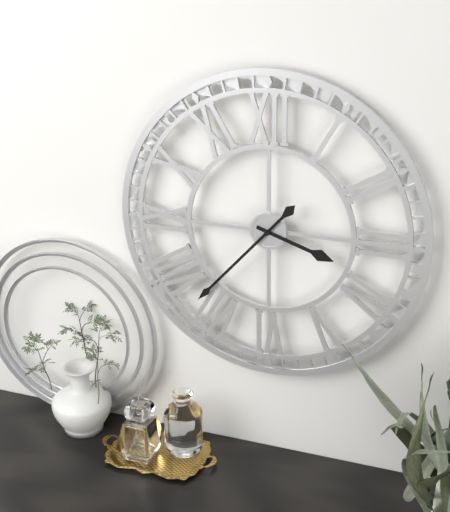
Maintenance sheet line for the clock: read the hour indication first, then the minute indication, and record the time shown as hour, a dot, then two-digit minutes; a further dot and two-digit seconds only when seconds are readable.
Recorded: 3.37
